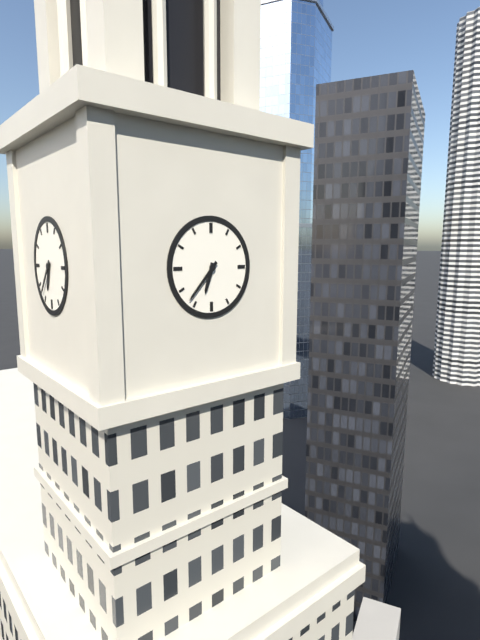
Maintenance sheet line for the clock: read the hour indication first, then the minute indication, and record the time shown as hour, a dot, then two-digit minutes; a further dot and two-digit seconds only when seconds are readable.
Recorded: 6.37
